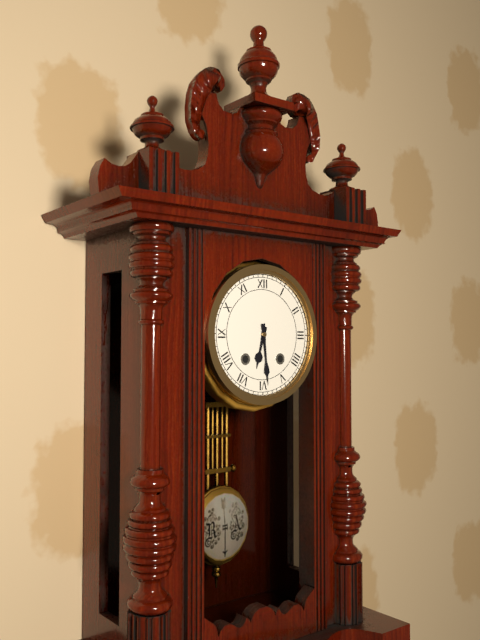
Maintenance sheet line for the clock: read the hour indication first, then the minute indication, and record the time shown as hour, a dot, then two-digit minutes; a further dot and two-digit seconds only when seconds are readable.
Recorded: 6.29
